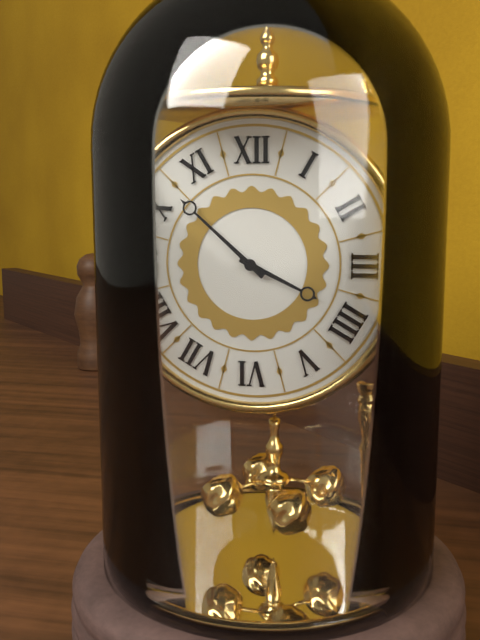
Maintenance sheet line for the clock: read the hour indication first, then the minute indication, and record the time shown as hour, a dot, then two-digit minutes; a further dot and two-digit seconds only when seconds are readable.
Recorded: 3.52
